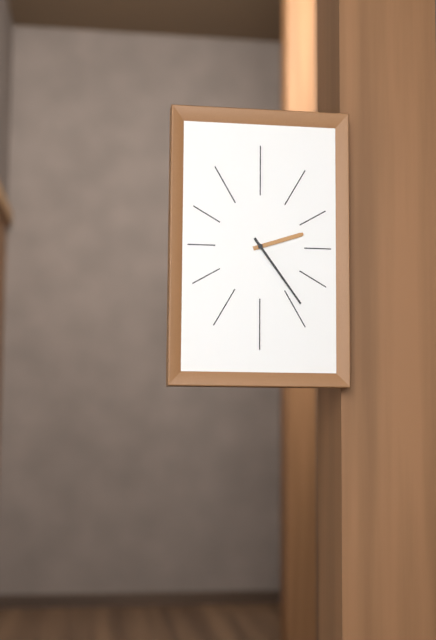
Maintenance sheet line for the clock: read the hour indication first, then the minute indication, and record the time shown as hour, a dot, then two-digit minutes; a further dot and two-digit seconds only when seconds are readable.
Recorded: 2.24
